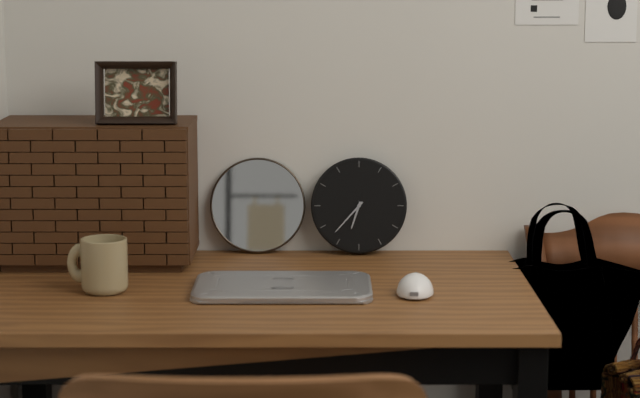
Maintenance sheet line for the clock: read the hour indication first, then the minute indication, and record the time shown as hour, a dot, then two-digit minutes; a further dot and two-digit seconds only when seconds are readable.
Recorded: 6.37
